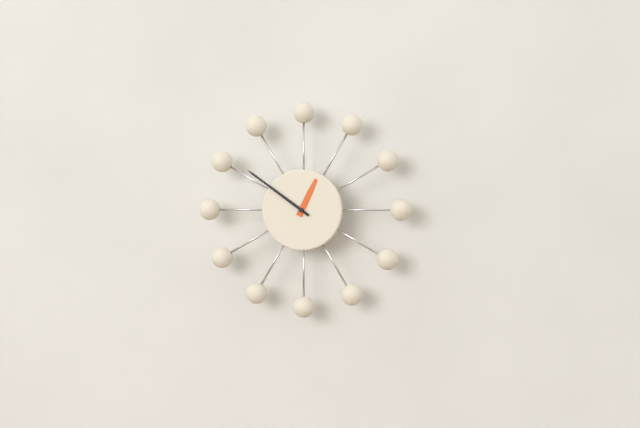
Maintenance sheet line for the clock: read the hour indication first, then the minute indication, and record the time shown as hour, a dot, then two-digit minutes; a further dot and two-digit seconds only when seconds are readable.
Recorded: 12.51
